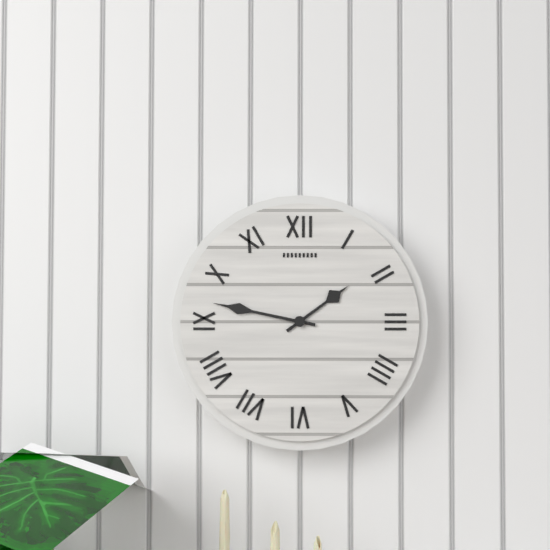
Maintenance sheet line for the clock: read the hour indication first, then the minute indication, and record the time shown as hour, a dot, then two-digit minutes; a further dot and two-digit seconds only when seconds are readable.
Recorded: 1.47
